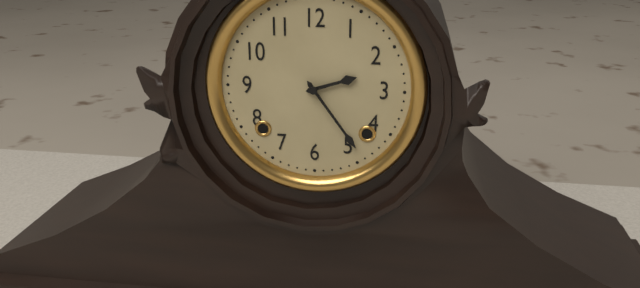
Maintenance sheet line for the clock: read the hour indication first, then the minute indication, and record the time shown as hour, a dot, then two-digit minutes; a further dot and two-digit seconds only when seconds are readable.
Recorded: 2.24
